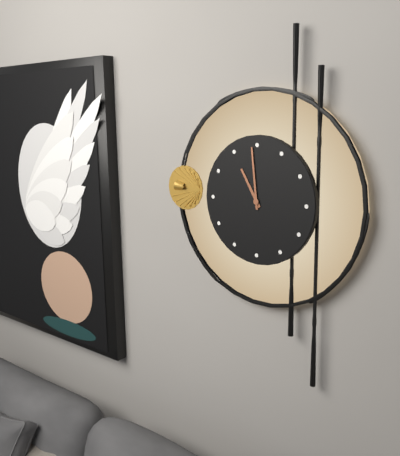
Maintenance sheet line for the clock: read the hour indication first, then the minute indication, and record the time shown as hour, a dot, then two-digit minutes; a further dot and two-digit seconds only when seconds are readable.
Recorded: 10.59
